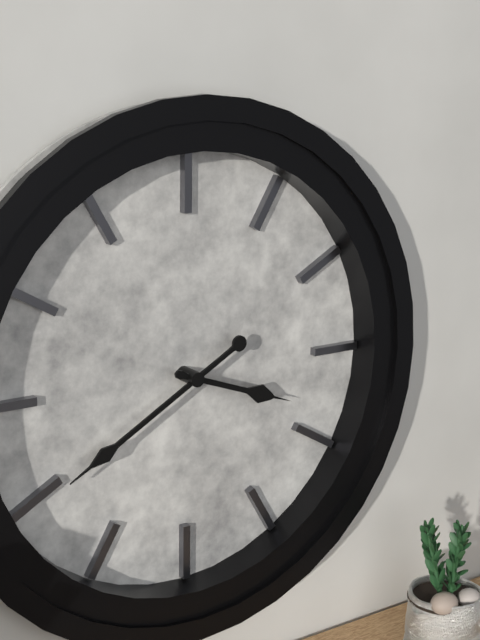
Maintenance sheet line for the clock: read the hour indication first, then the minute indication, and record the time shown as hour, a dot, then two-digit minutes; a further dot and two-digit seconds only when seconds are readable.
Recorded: 3.40
